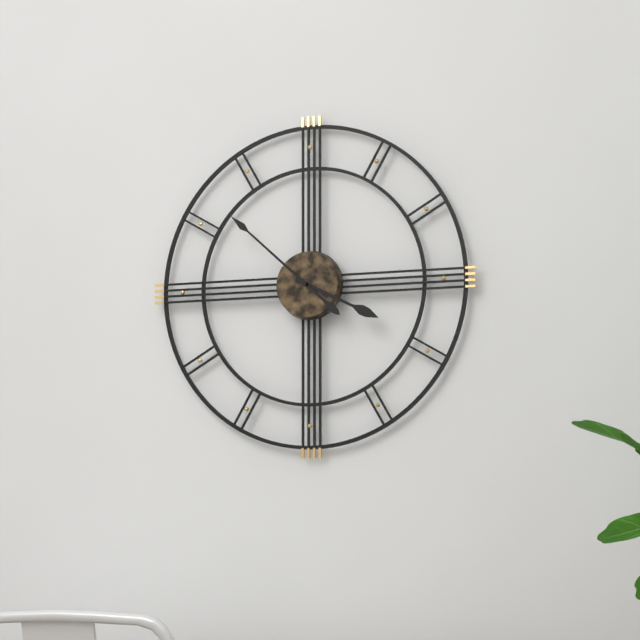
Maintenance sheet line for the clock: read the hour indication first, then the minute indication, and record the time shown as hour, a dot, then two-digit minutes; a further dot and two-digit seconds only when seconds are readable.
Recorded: 3.52
